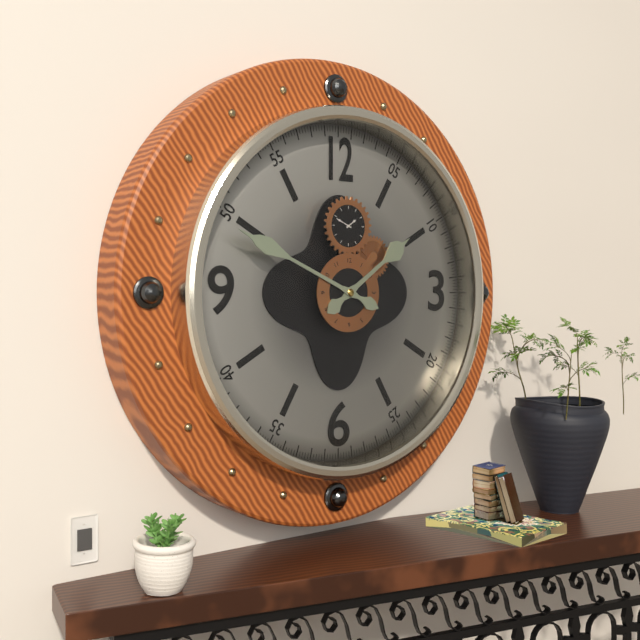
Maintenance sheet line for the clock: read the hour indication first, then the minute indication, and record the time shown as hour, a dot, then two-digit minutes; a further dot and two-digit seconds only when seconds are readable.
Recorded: 1.49
